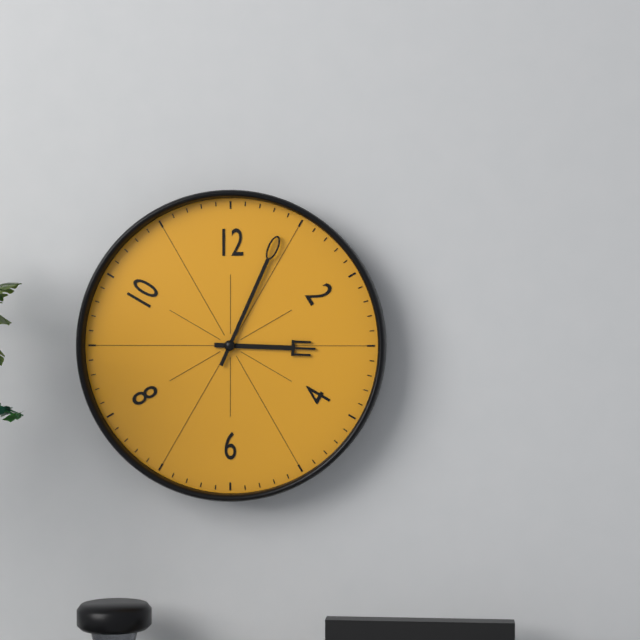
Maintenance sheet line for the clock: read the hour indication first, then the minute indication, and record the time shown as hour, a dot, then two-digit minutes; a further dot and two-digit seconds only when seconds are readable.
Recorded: 3.04
